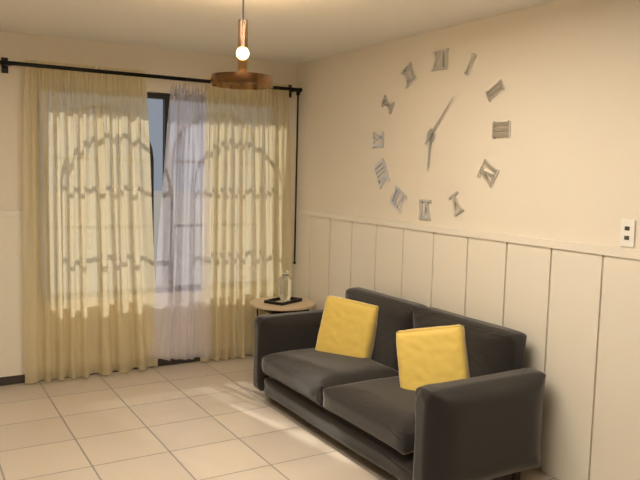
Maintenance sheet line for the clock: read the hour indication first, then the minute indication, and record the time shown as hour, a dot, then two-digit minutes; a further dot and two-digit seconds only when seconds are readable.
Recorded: 6.07
